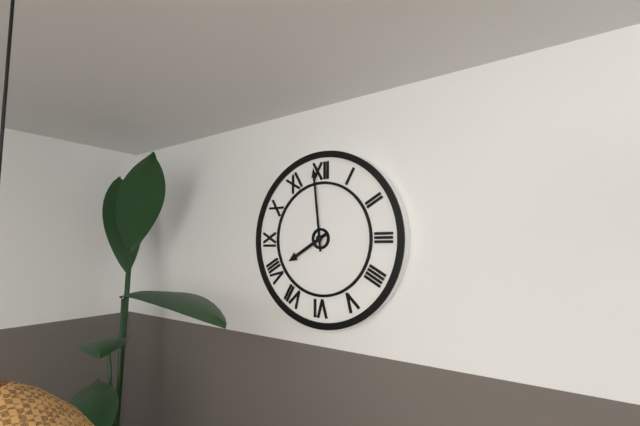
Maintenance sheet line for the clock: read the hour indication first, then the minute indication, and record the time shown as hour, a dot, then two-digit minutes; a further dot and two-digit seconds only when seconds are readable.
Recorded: 7.59
